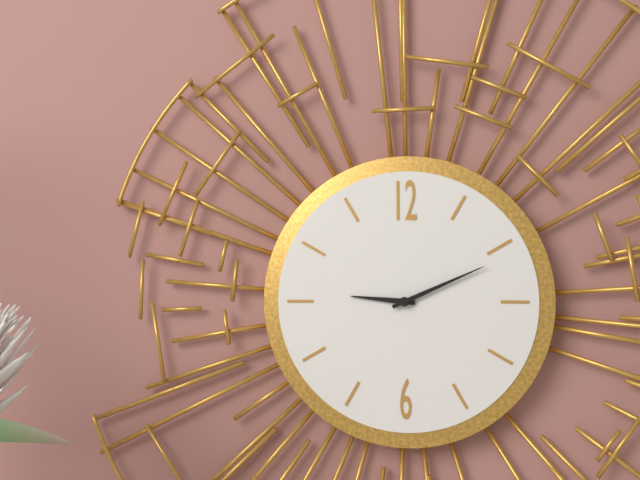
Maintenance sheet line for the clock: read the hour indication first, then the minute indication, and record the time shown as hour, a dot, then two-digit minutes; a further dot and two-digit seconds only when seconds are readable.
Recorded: 9.11
